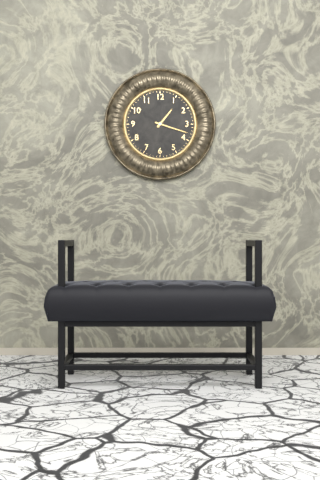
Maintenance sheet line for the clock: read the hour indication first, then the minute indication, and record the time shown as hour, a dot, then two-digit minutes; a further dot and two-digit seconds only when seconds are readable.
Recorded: 1.18
